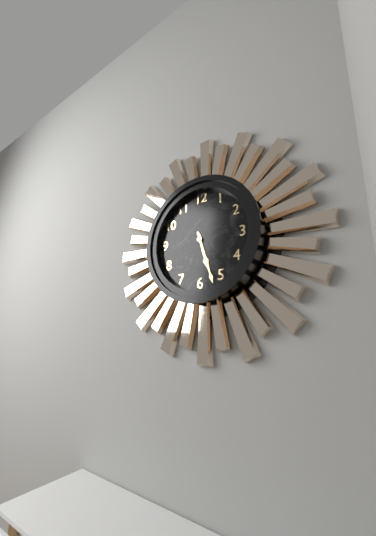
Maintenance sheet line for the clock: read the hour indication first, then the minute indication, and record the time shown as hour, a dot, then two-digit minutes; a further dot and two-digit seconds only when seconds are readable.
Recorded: 5.27
